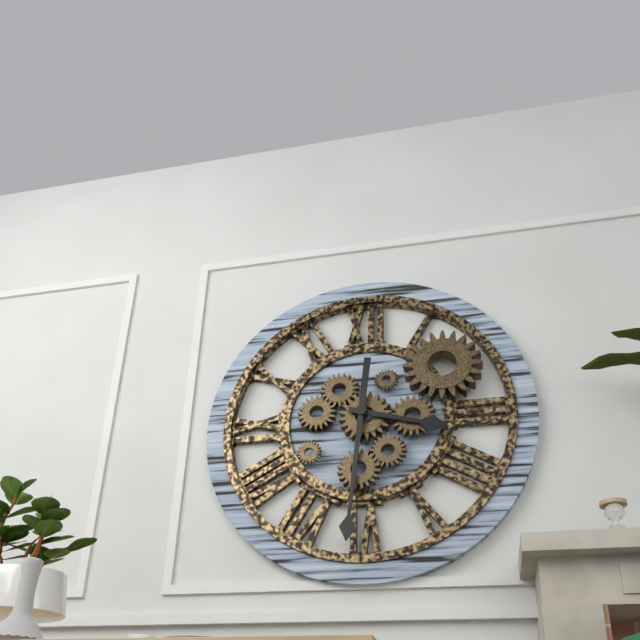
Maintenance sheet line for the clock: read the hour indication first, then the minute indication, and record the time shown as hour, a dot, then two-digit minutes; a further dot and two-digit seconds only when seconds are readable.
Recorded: 3.31
